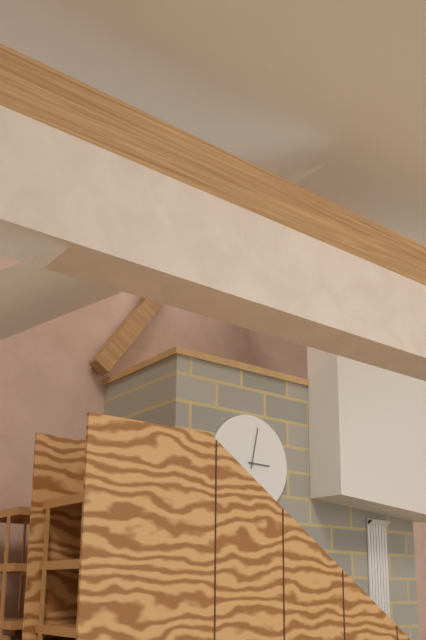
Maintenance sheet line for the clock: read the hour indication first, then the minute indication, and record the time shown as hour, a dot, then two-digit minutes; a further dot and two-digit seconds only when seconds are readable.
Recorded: 3.02
